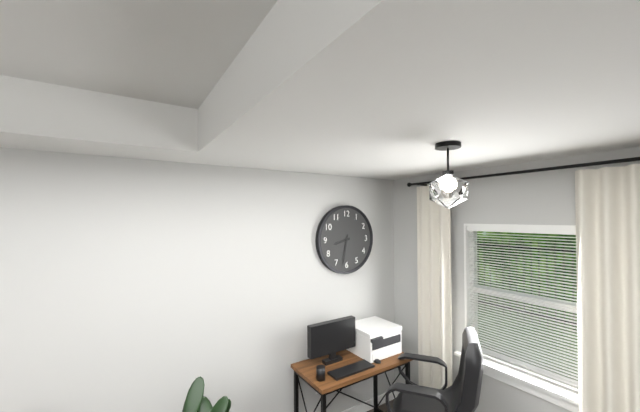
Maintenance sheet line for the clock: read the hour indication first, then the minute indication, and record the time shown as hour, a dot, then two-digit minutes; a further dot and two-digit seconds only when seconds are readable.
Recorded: 8.32
